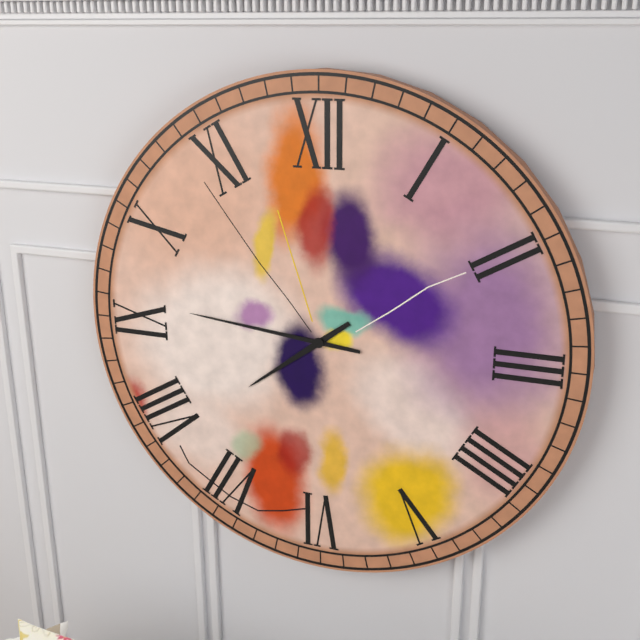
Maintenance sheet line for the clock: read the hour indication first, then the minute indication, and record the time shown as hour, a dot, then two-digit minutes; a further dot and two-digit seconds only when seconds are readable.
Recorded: 7.46
